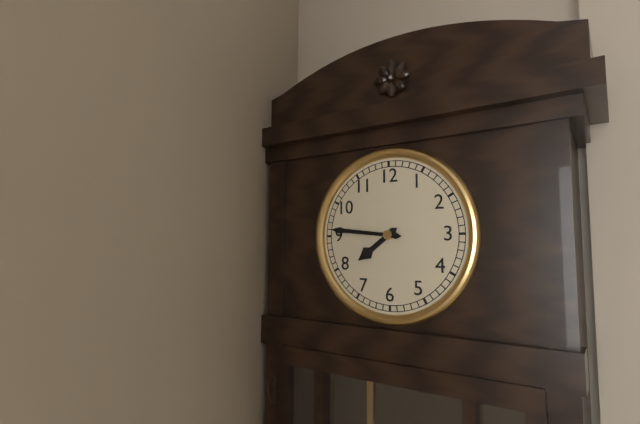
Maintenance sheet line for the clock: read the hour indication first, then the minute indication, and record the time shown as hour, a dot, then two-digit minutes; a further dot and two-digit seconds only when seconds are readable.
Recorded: 7.46
